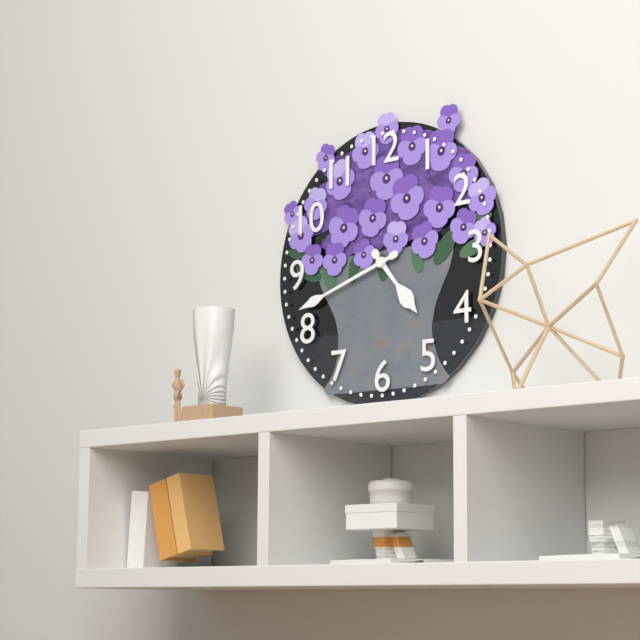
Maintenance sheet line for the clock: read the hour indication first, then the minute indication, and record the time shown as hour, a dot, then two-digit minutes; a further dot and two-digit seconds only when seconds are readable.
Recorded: 4.42
